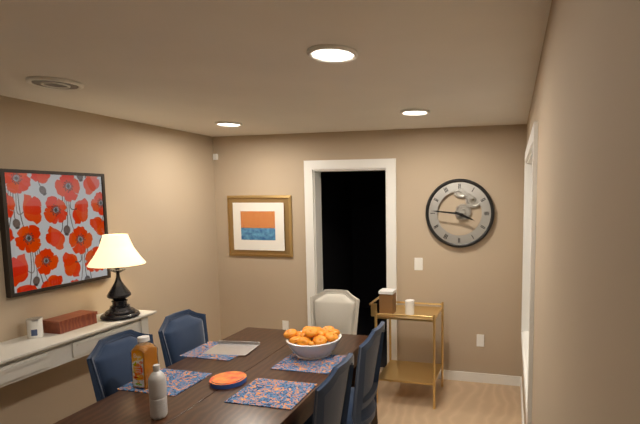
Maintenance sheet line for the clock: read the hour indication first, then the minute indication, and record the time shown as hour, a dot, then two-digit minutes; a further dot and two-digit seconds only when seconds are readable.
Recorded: 3.46
